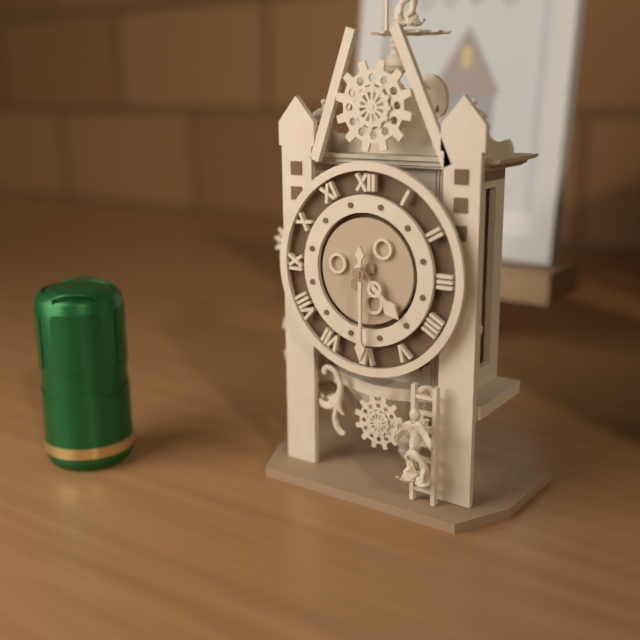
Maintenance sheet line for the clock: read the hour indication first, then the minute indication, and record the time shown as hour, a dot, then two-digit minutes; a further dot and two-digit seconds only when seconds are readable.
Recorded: 4.30
